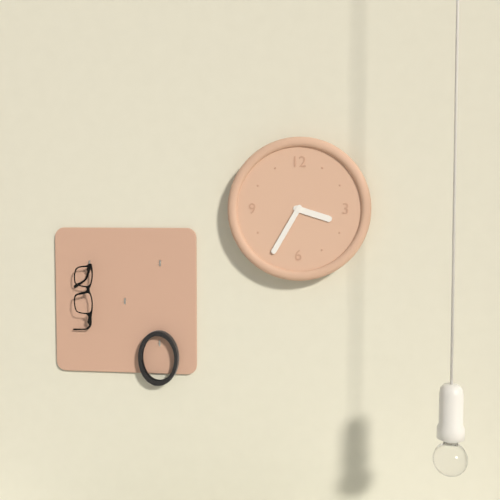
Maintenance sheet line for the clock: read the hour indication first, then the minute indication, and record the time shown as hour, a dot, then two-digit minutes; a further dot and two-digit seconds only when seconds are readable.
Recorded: 3.35
